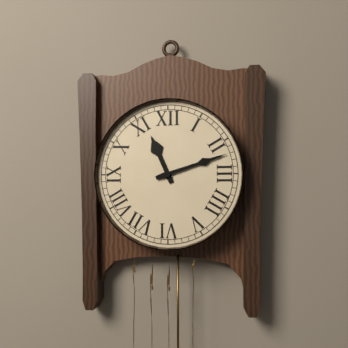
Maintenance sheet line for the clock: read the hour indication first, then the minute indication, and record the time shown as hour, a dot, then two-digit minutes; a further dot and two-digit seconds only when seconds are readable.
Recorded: 11.12
